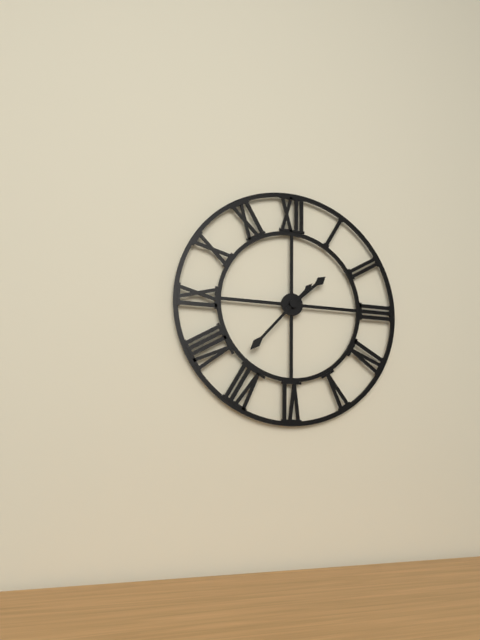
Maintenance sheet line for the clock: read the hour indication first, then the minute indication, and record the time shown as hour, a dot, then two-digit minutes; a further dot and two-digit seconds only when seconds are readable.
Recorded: 1.37
